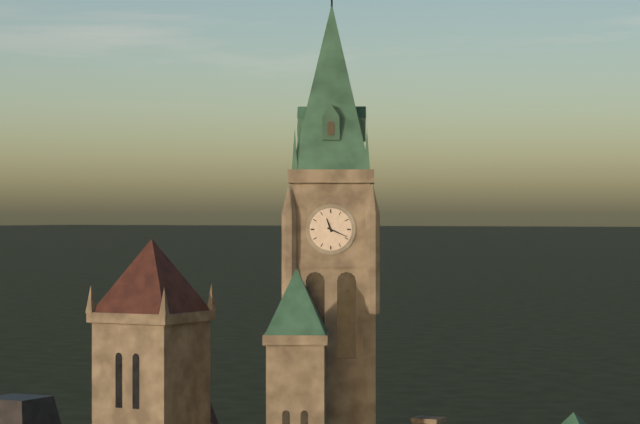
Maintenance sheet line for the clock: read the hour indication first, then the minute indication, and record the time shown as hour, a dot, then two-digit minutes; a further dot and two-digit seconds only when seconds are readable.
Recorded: 11.19
